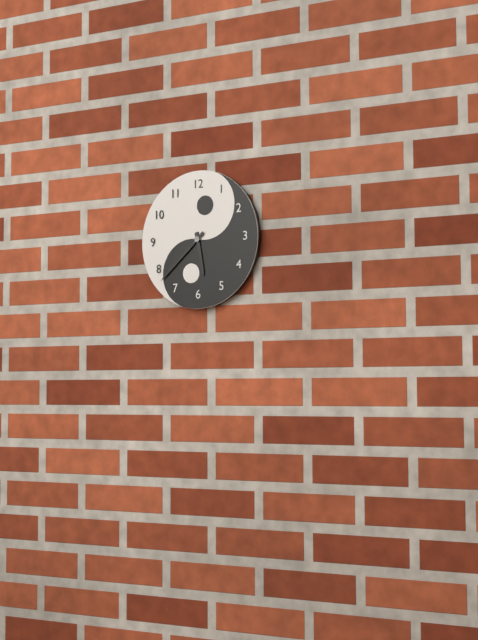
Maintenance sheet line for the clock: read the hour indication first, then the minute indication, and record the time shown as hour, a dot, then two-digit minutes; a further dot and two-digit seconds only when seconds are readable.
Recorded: 5.38
